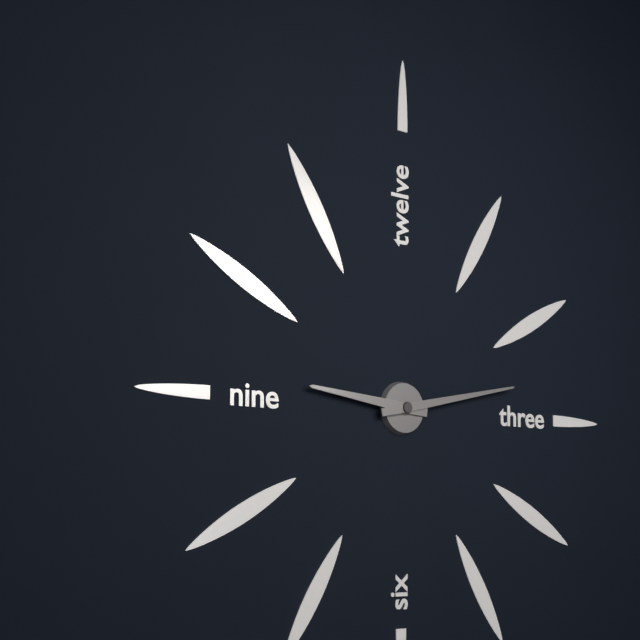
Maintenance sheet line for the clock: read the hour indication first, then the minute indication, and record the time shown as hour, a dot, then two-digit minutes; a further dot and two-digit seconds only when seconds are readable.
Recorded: 9.13
